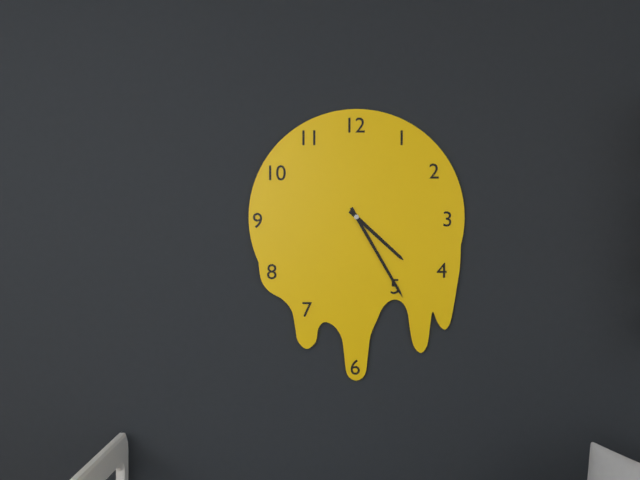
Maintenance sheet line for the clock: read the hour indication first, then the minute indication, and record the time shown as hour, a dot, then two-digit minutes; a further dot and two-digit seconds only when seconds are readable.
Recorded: 4.25
